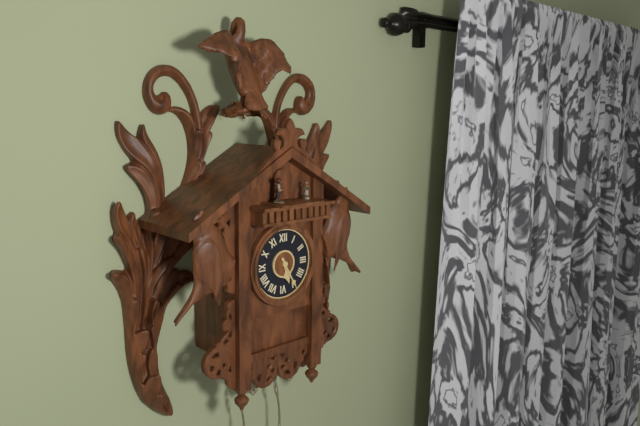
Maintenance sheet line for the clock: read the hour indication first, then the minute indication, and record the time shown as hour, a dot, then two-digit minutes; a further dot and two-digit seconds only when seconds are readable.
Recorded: 5.25
